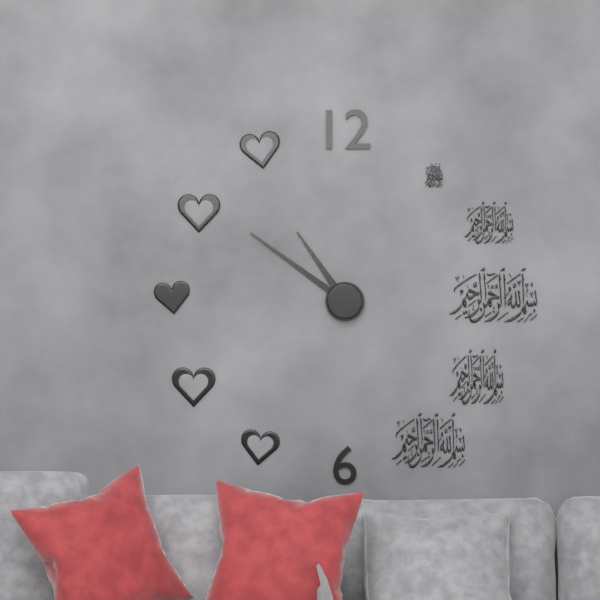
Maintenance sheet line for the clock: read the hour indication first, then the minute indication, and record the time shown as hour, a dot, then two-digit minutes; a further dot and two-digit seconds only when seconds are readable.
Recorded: 10.51
